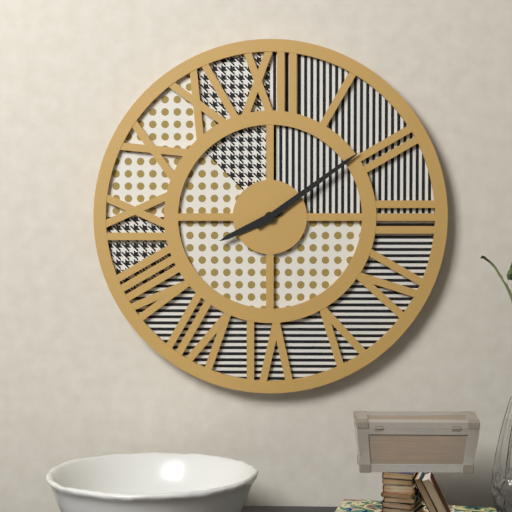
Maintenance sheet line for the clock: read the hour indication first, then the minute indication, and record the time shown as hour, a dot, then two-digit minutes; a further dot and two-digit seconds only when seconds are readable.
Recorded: 8.09
